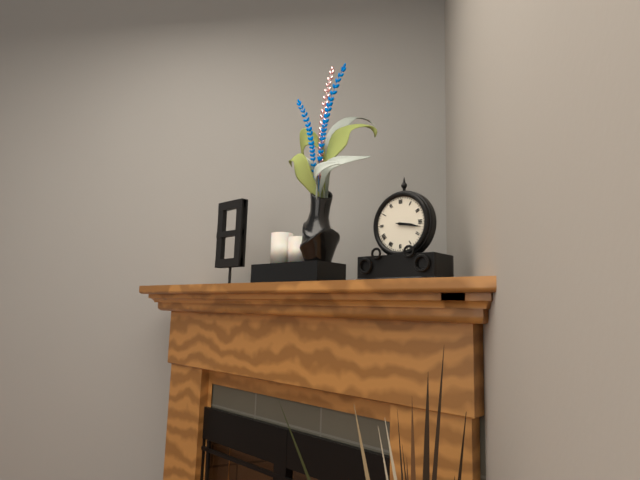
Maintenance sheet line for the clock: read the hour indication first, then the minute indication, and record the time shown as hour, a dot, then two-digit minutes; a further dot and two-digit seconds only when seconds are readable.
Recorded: 3.17
